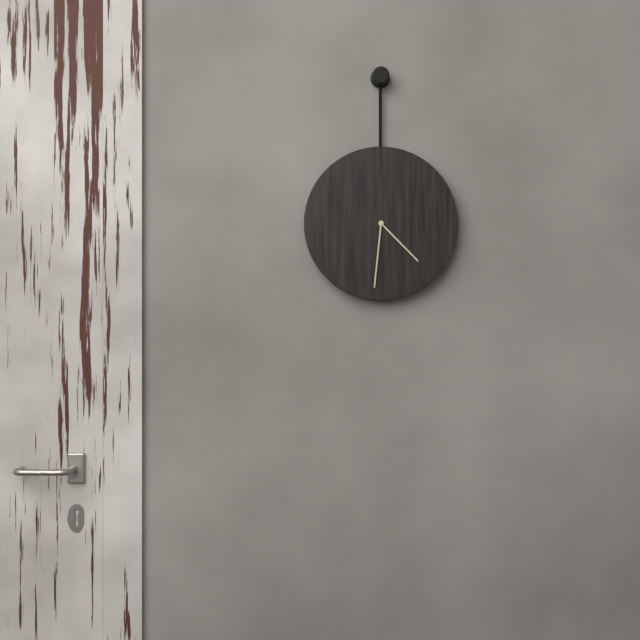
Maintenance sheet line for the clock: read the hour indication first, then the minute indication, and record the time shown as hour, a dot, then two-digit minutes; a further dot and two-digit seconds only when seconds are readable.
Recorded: 4.31
